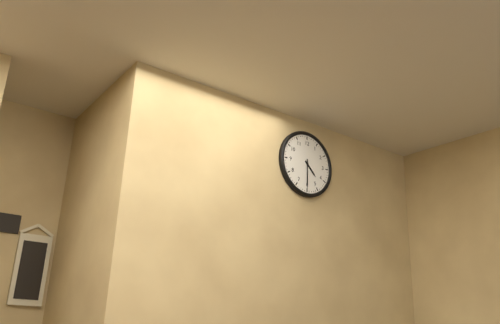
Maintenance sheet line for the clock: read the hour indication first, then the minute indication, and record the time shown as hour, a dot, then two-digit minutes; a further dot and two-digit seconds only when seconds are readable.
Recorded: 4.30
